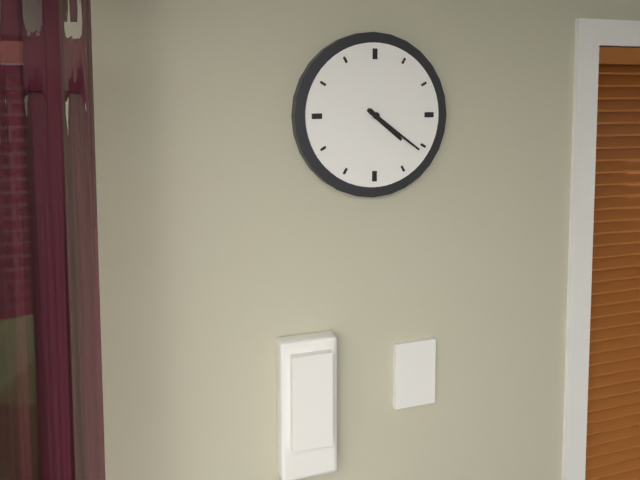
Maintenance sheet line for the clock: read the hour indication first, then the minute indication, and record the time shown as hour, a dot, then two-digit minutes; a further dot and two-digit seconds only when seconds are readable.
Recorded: 4.21
